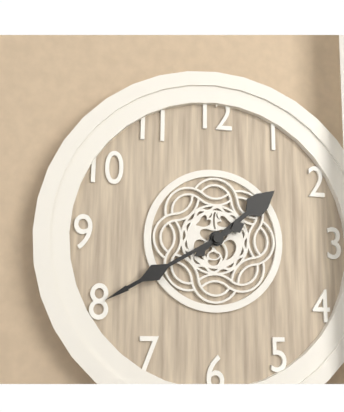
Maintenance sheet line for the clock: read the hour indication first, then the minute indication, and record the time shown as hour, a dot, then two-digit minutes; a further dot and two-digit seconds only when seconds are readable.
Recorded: 1.40
